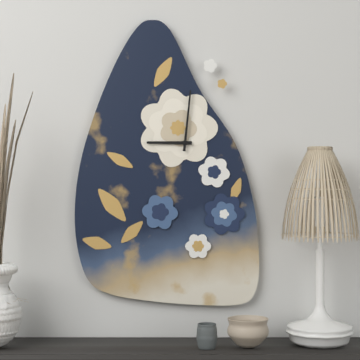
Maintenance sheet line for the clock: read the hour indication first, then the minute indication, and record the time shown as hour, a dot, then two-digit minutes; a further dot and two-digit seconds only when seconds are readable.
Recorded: 9.01
